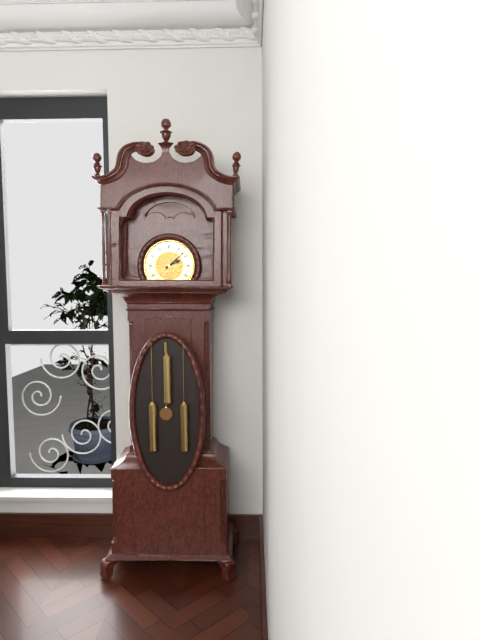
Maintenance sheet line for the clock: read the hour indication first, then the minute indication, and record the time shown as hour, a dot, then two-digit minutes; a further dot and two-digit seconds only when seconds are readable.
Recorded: 2.08
